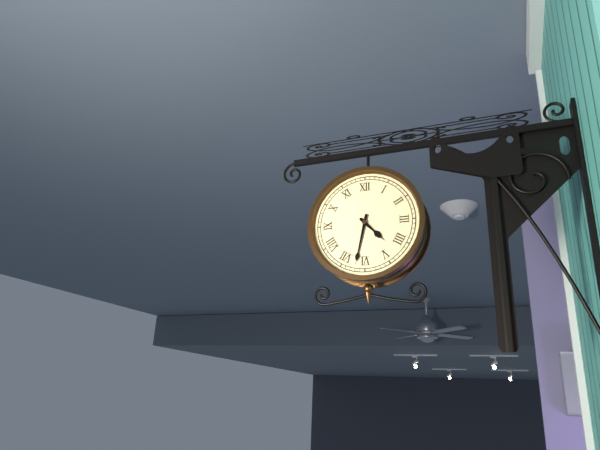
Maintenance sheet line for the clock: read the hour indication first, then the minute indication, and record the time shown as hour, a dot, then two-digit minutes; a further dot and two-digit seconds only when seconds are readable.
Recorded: 4.32
